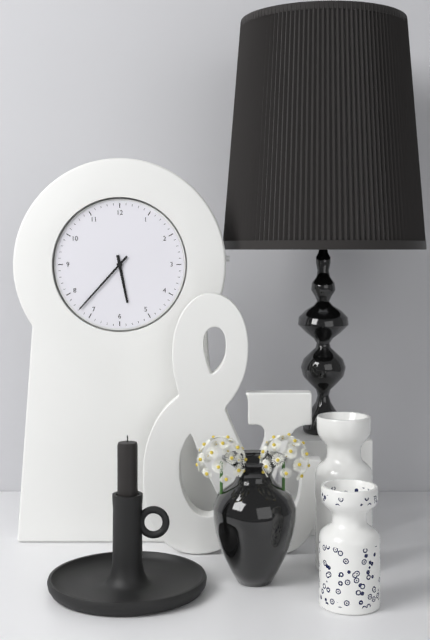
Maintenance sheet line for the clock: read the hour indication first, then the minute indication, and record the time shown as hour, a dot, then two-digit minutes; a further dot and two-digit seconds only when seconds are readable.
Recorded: 5.37
